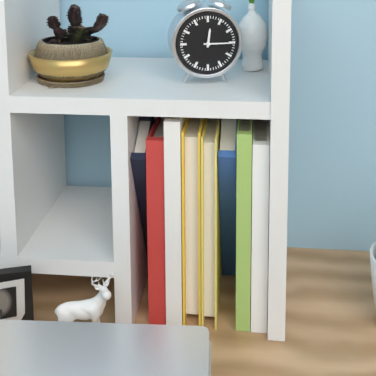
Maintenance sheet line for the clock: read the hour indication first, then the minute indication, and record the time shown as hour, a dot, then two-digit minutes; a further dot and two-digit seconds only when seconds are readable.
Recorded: 12.15
